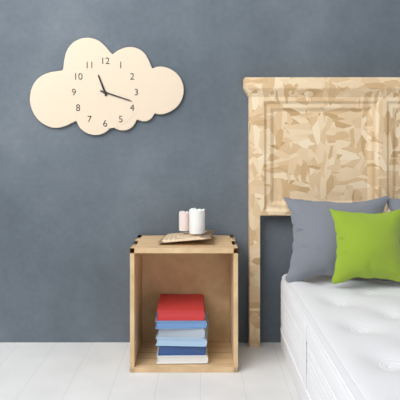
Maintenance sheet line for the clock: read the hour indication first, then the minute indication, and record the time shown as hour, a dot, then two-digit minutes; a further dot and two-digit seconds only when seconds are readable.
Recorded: 11.18
